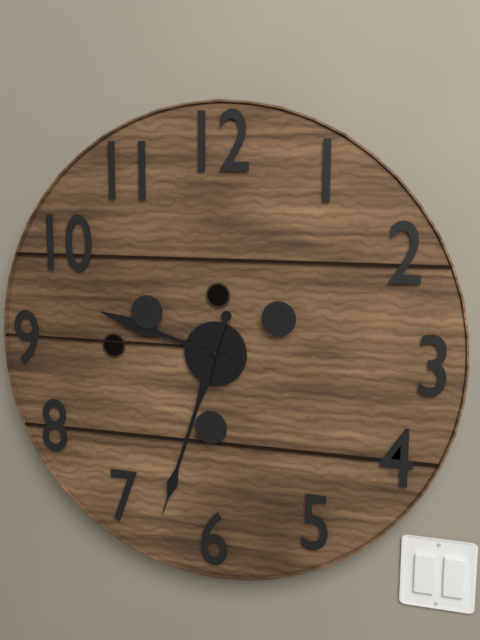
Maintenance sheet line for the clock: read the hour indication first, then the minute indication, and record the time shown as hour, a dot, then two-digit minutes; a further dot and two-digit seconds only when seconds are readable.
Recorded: 9.33
